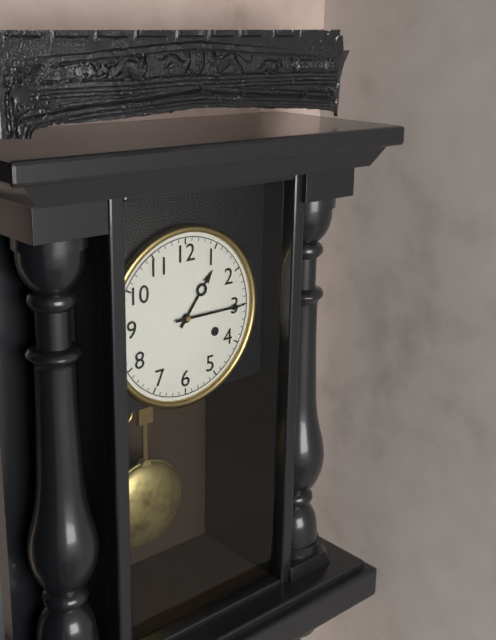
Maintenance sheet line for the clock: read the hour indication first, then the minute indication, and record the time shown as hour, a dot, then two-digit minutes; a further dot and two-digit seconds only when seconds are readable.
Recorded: 1.15
